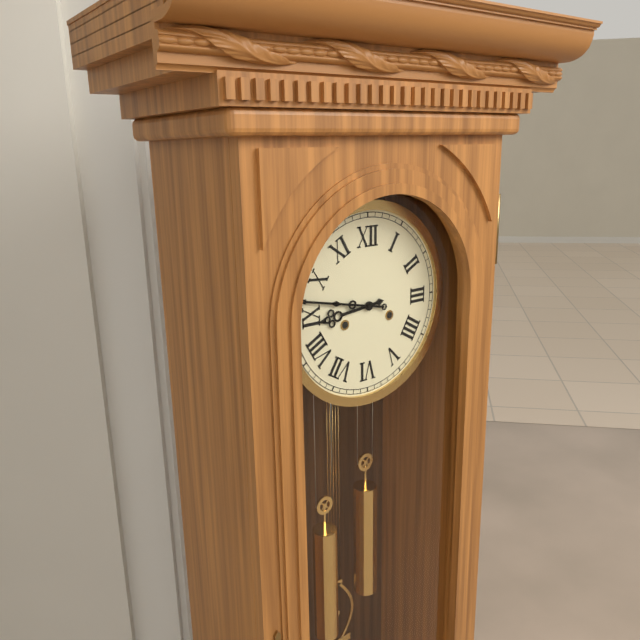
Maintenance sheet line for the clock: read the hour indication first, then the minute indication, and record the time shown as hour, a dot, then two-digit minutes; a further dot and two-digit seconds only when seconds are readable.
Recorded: 8.47
